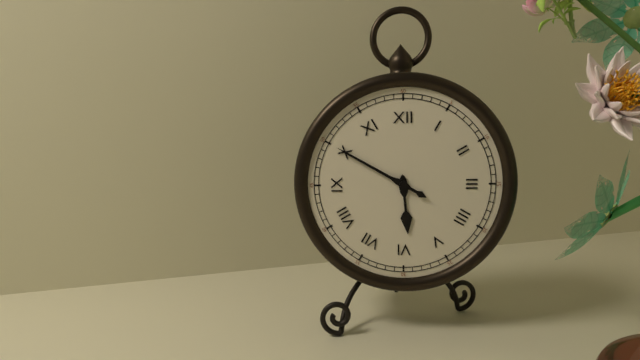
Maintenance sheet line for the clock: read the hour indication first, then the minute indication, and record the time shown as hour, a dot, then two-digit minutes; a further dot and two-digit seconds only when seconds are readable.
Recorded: 5.50
